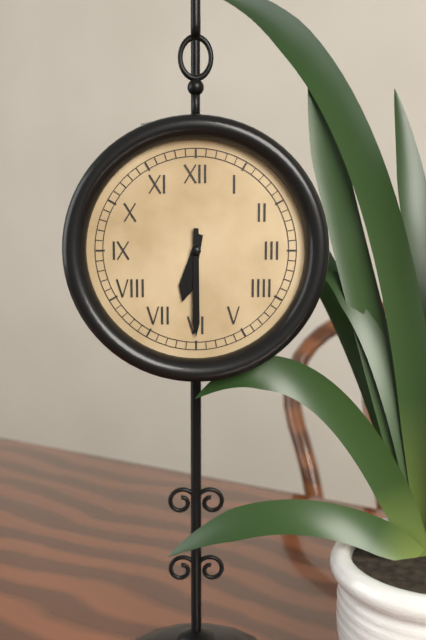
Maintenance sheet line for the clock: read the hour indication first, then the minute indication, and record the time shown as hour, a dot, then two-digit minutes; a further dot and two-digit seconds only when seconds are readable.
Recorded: 6.30
